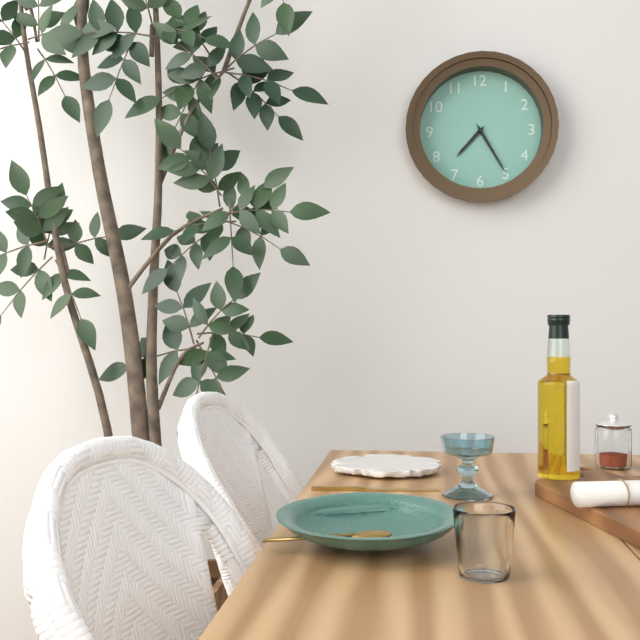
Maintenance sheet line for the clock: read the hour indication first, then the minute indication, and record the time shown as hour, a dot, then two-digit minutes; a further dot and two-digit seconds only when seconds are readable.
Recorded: 7.25
